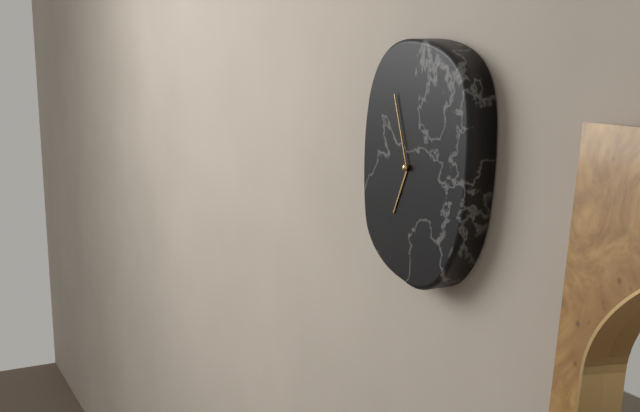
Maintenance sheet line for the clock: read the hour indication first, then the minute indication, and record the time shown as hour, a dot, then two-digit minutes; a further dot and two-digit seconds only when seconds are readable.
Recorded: 6.57
